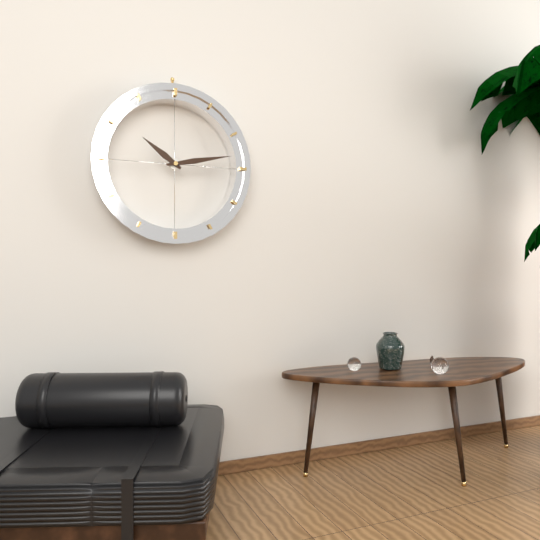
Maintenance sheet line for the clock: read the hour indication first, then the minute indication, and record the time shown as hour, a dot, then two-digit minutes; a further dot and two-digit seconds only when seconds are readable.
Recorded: 10.13
